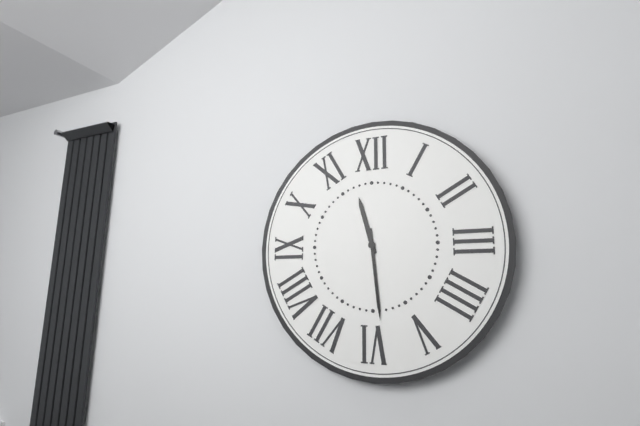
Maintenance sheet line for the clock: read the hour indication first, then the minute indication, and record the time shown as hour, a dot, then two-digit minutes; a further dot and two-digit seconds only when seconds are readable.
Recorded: 11.29
